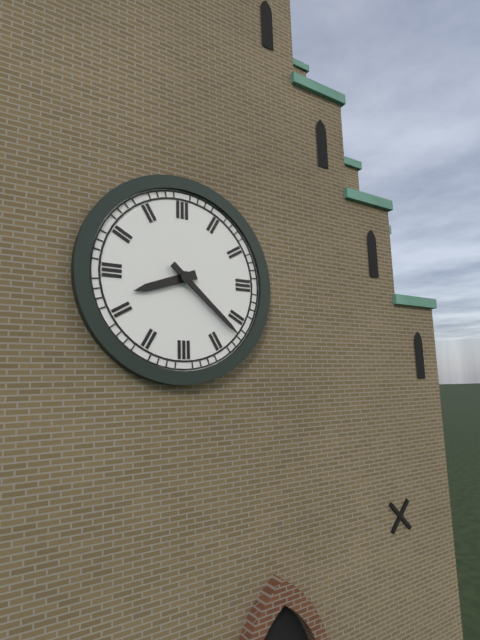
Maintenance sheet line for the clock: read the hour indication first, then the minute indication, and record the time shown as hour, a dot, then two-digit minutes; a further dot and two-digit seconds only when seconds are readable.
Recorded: 8.22
